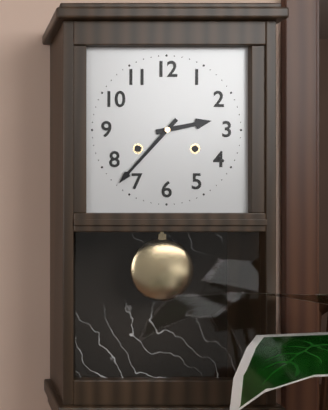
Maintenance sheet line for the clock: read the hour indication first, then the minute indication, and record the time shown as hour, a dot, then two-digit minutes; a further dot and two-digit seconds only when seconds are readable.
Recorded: 2.37
